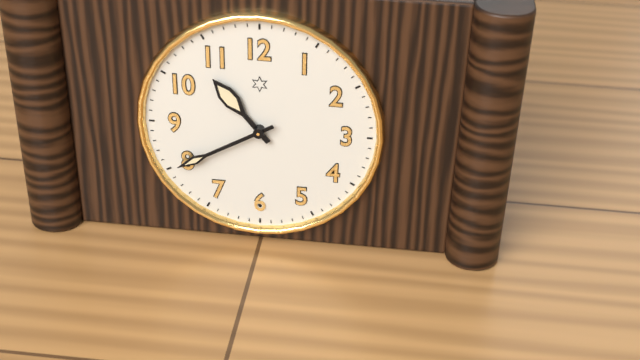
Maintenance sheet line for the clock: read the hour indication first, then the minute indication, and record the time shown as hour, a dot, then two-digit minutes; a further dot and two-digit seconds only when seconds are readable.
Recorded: 10.40
